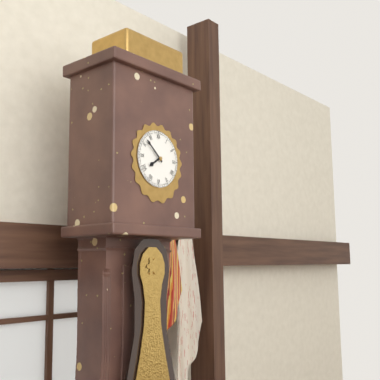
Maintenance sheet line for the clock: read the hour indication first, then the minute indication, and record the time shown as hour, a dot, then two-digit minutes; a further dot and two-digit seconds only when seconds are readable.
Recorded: 7.52
